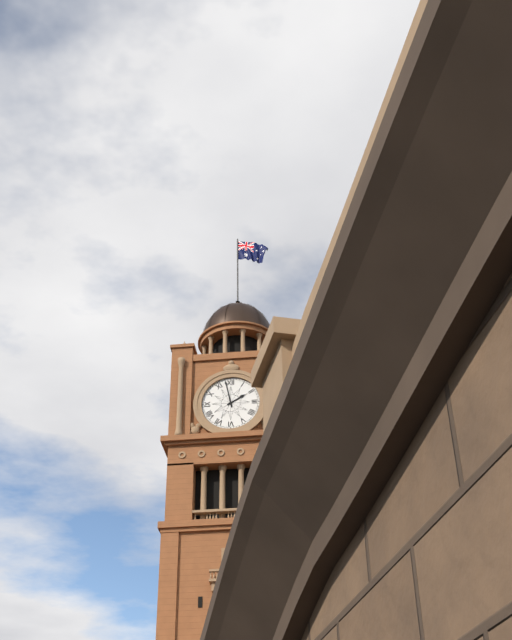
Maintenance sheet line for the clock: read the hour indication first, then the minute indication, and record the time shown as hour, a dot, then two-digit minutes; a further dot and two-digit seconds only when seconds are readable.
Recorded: 1.58
